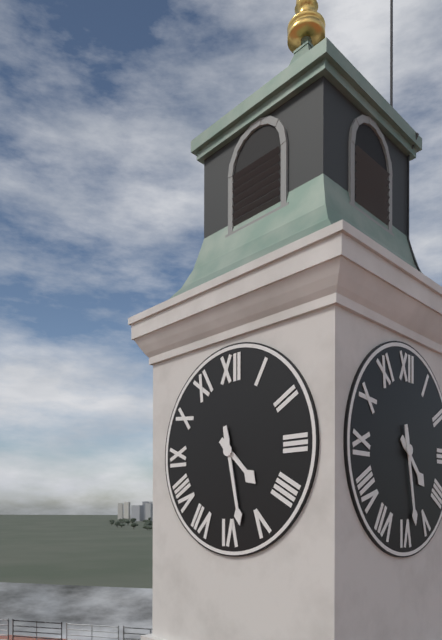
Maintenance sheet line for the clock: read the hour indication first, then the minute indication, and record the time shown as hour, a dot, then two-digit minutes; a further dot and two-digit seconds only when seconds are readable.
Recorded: 4.28
